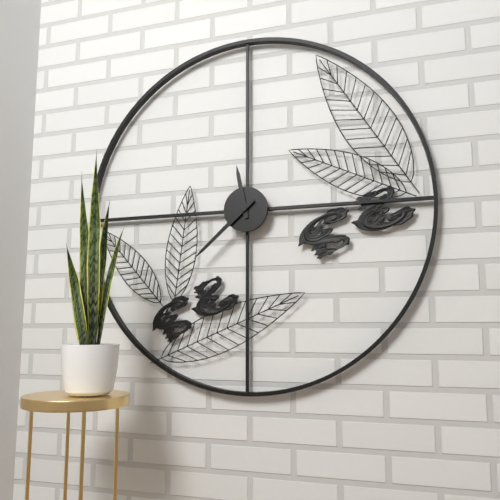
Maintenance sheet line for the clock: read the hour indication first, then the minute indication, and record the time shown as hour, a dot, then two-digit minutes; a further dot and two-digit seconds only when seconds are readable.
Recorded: 11.38
